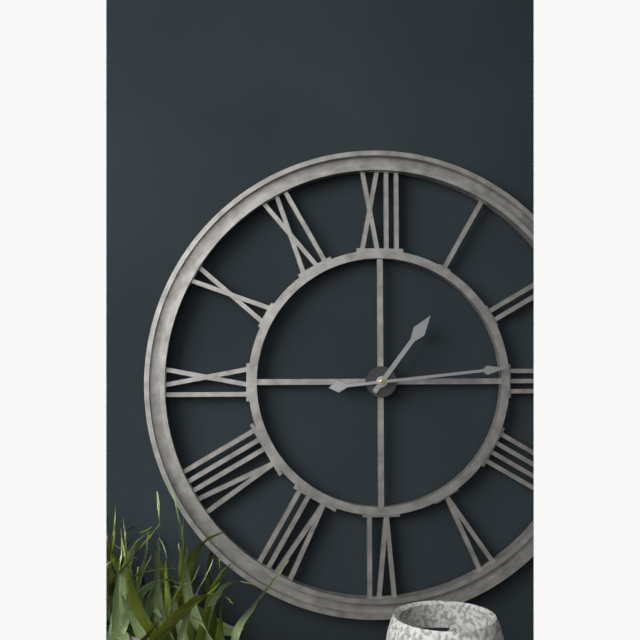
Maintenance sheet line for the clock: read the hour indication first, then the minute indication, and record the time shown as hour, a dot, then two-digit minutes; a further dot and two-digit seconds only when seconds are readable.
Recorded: 1.14
